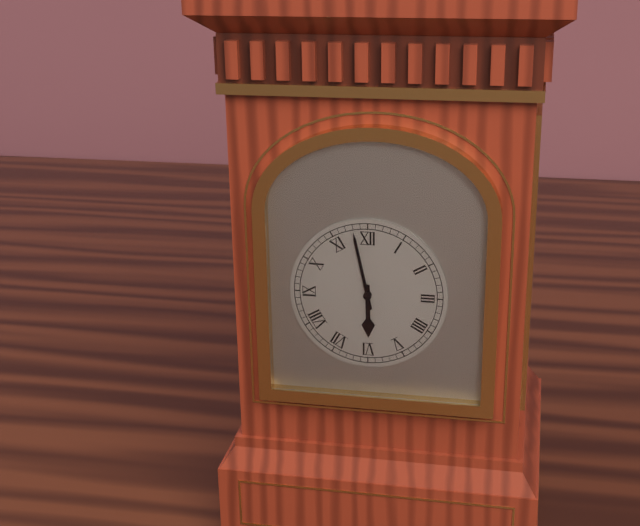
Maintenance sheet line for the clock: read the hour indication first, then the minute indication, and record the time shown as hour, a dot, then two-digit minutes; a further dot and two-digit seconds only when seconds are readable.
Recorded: 5.58
